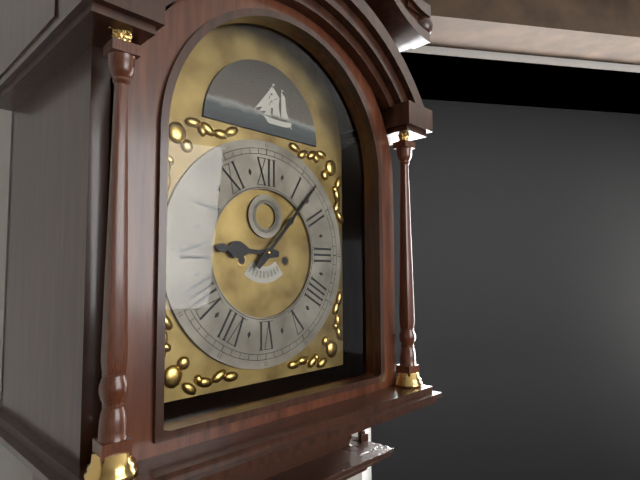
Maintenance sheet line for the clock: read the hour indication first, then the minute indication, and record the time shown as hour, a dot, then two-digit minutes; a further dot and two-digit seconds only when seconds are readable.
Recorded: 9.07
